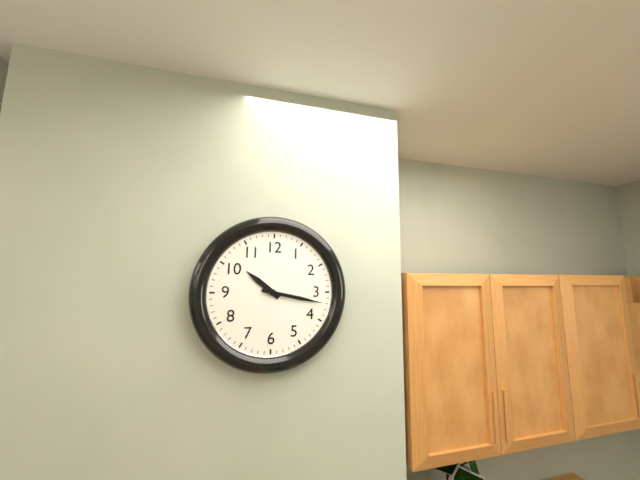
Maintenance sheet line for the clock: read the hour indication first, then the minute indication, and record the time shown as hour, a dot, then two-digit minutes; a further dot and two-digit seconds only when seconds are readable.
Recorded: 10.17
